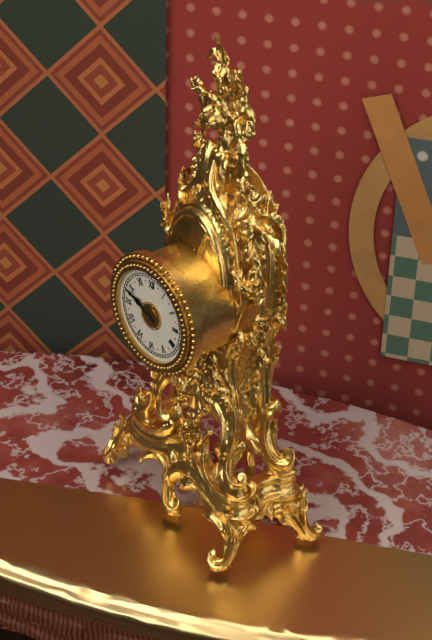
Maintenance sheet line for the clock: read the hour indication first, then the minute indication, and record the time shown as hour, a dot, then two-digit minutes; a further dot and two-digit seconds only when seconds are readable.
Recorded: 9.49
